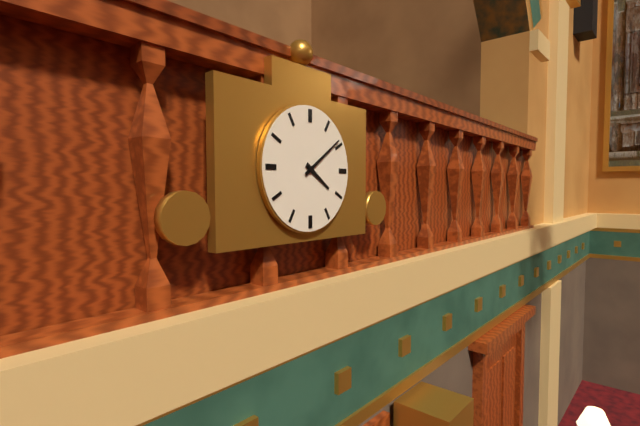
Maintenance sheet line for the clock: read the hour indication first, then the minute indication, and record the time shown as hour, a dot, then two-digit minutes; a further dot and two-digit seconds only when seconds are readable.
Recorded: 4.09
